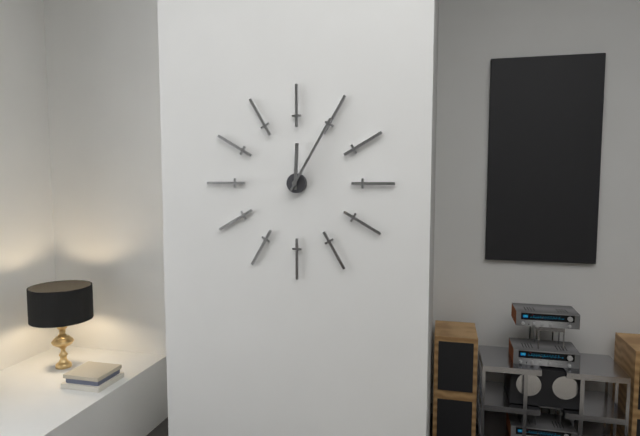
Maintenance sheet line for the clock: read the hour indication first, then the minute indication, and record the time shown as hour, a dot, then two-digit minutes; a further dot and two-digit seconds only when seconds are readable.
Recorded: 12.05
